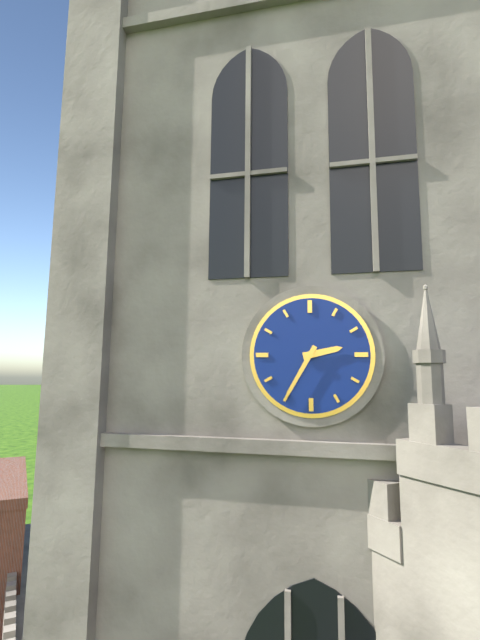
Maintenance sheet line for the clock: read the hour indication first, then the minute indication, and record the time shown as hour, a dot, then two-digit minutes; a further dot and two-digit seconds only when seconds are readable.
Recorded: 2.35
